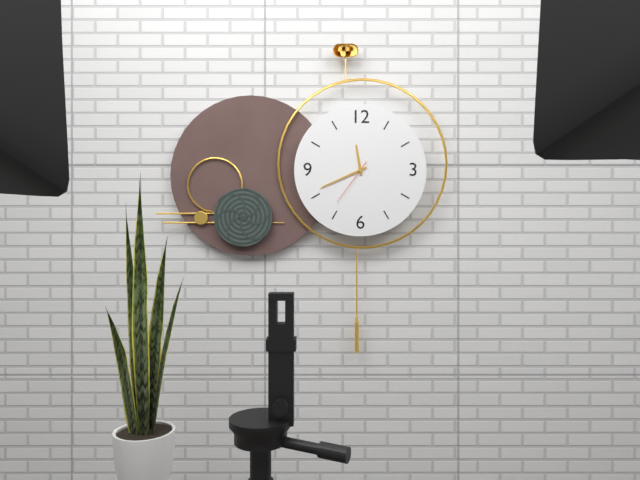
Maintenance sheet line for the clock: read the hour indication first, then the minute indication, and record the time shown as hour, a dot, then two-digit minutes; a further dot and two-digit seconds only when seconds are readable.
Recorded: 11.41
